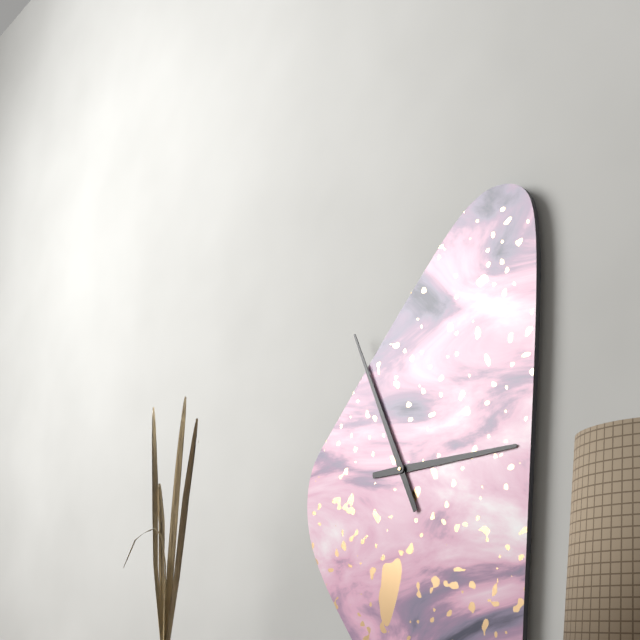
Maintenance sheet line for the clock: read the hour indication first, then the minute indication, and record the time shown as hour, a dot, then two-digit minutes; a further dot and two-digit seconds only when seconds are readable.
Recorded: 2.56
